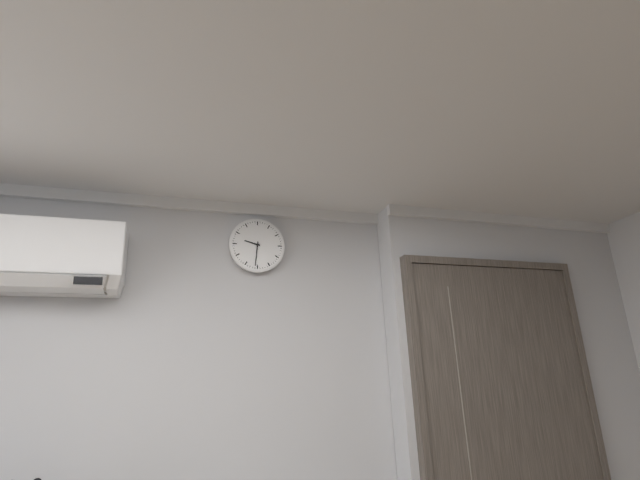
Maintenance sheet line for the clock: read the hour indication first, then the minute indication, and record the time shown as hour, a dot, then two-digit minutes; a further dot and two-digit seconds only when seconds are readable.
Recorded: 9.31
